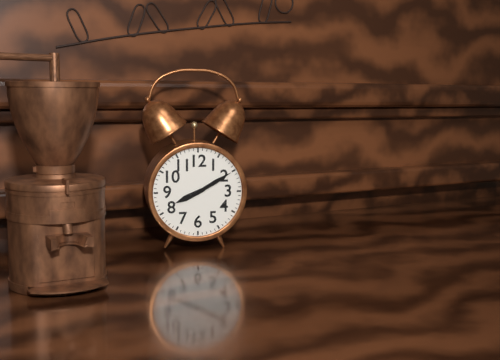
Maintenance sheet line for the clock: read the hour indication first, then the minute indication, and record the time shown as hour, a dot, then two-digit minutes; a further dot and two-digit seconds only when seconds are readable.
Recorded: 8.10
